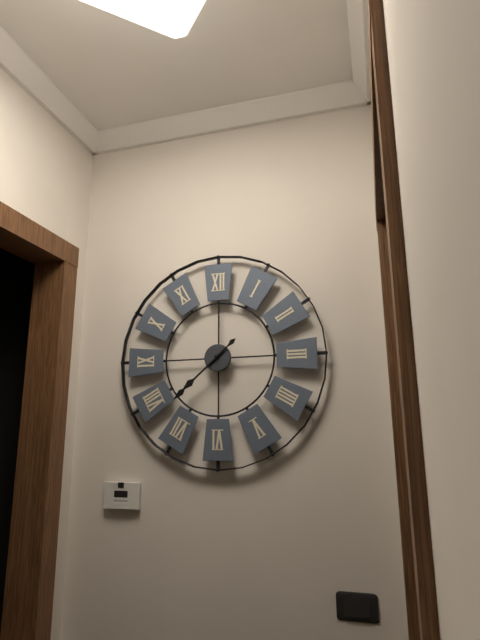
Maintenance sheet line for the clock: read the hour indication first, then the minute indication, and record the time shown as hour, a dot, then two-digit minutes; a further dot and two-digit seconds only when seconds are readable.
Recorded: 7.38
